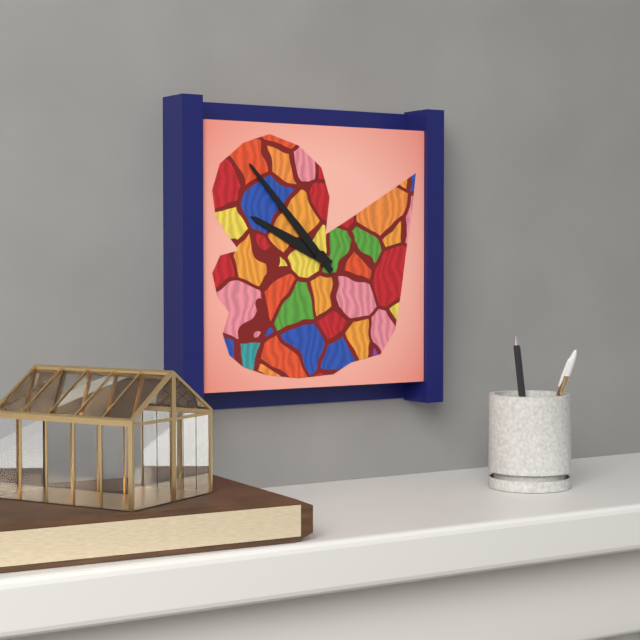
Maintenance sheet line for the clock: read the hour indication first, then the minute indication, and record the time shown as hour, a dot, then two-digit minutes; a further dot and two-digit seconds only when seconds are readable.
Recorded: 9.53
